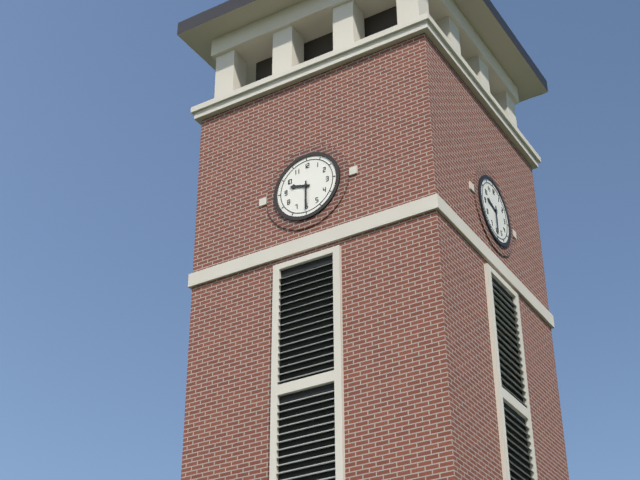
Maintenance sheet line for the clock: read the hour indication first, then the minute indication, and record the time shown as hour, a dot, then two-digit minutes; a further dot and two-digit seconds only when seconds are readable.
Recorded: 9.30
